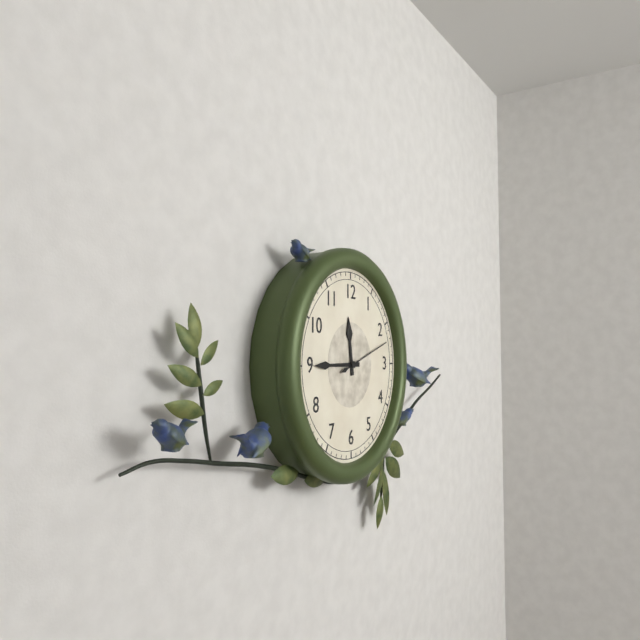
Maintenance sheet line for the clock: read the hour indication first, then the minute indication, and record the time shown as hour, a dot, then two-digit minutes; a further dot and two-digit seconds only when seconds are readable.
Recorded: 11.45
